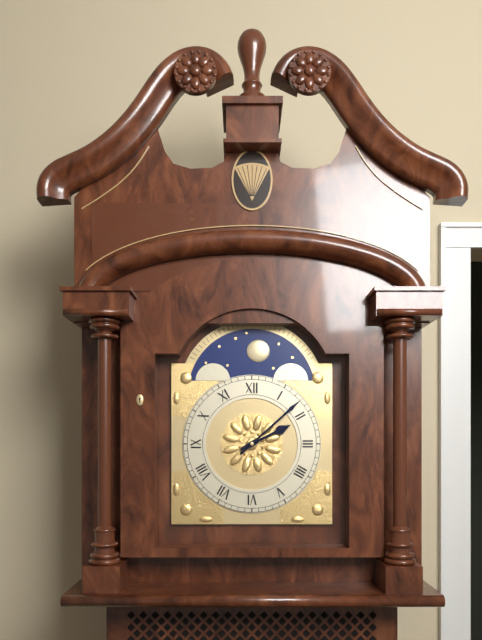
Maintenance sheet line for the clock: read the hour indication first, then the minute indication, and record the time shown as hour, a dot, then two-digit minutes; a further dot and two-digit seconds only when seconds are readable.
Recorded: 2.08
